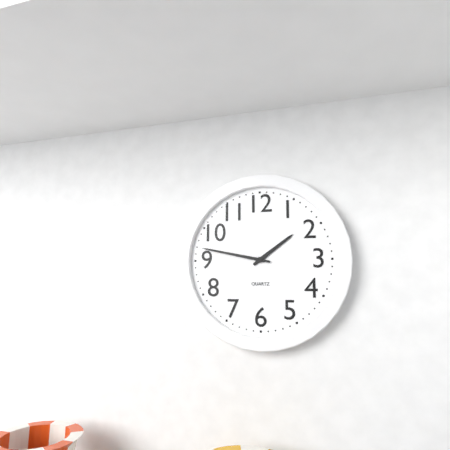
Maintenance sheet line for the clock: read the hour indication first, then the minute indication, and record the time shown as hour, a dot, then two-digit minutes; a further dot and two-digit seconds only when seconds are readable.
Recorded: 1.47
